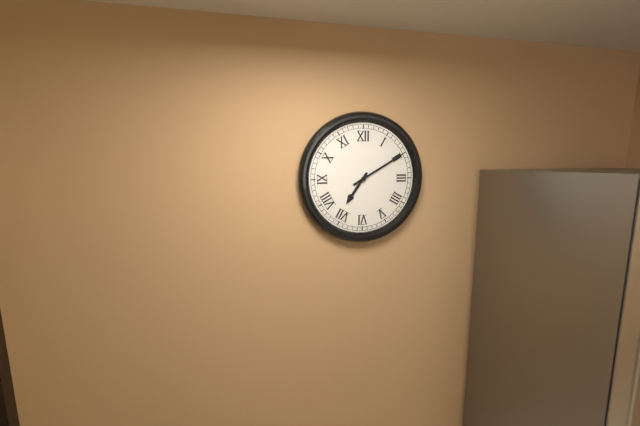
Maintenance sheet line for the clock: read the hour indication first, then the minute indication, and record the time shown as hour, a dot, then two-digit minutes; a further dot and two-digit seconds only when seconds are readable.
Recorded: 7.10
